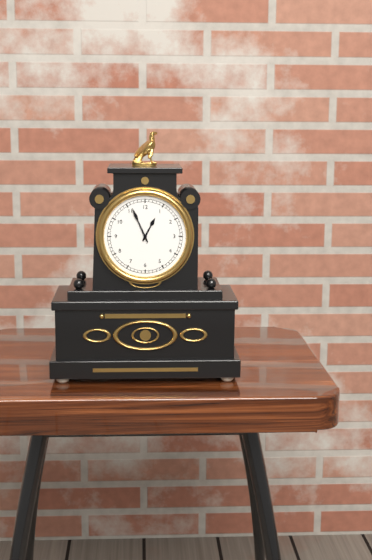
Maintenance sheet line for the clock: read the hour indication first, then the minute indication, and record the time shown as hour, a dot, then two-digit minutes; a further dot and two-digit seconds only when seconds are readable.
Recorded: 12.56
